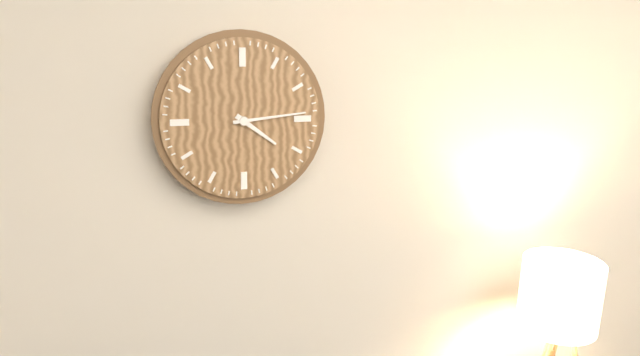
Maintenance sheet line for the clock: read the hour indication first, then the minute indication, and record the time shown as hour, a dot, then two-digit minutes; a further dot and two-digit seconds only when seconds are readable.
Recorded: 4.14
